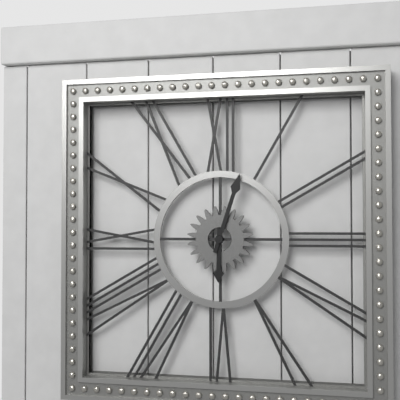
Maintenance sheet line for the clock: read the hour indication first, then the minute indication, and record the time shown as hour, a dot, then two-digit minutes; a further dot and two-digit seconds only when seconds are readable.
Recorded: 6.03
